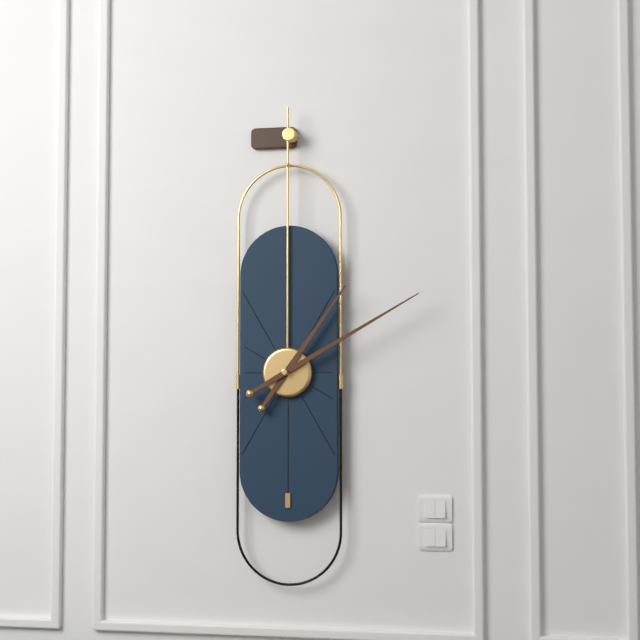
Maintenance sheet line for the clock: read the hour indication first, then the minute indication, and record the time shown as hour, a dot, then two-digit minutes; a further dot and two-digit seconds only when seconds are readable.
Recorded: 1.10
